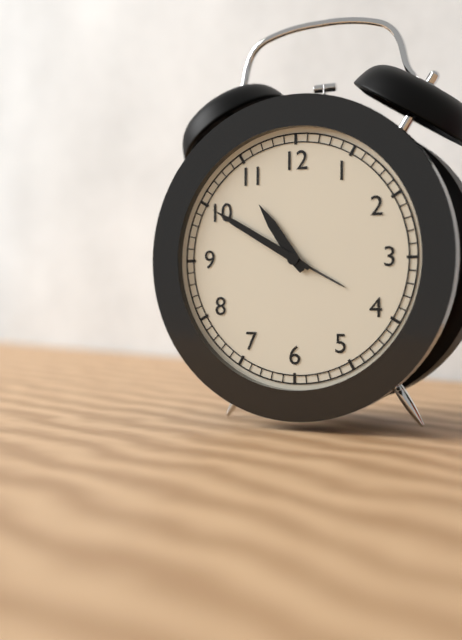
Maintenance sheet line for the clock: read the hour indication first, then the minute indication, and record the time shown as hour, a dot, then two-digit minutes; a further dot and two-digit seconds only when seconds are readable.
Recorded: 10.50
